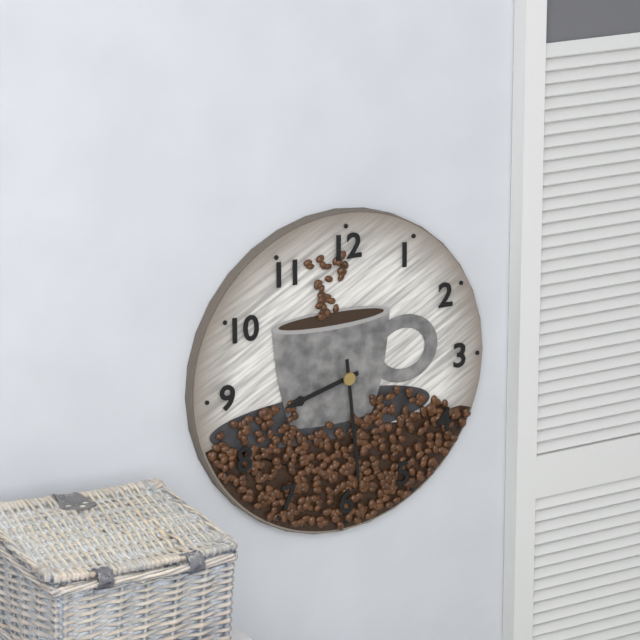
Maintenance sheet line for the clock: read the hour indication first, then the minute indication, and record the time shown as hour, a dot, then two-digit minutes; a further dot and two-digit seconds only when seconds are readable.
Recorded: 8.29
